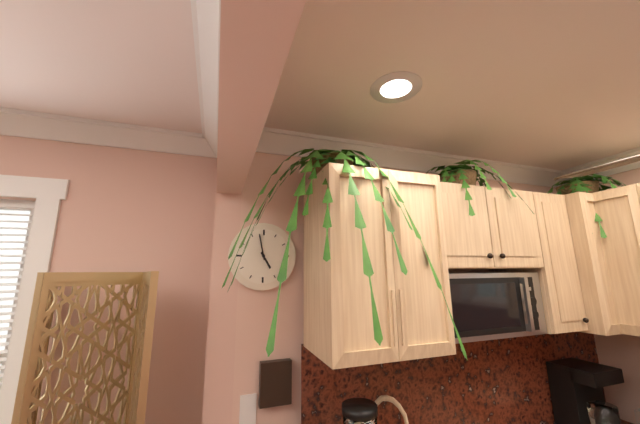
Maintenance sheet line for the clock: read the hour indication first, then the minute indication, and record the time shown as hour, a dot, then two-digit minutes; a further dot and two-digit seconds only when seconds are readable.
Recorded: 4.58
